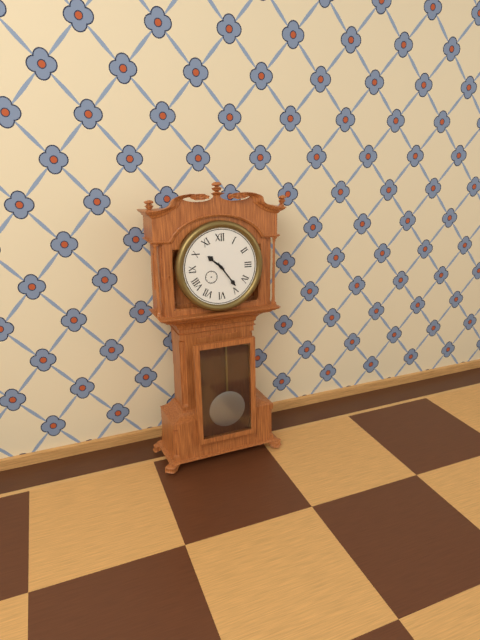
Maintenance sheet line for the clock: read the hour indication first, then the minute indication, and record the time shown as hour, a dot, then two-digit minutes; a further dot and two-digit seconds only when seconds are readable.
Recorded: 10.24
